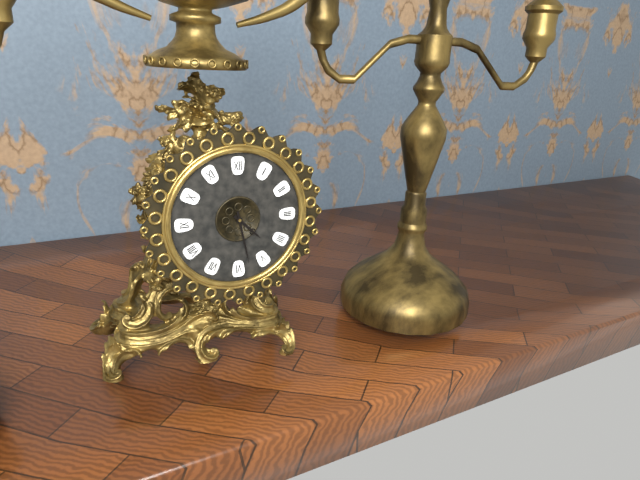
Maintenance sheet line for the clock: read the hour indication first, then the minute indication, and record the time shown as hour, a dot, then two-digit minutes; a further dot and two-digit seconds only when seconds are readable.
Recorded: 4.28
